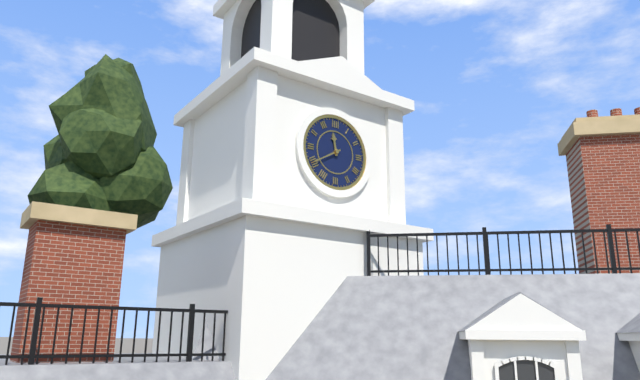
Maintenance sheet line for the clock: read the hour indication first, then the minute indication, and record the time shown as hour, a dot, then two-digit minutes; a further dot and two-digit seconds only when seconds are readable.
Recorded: 11.40
